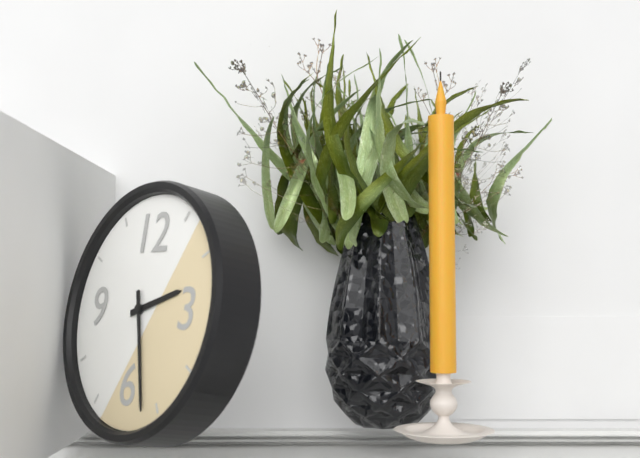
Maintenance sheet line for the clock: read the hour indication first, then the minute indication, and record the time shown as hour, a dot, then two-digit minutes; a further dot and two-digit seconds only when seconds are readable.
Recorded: 2.27
